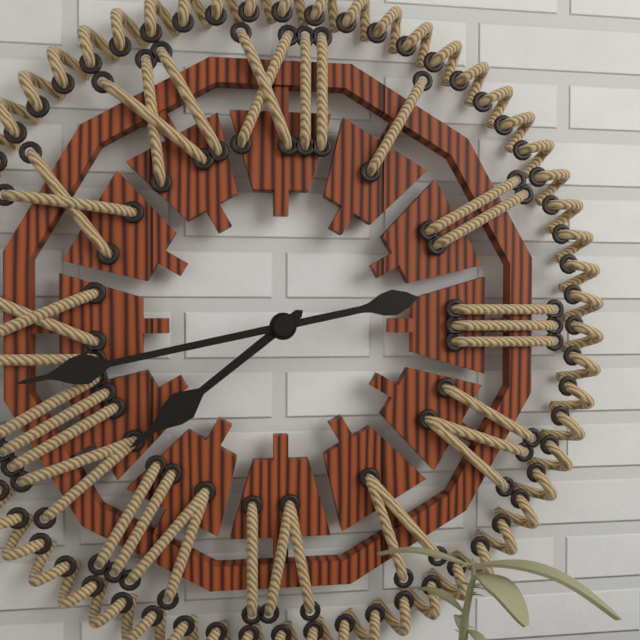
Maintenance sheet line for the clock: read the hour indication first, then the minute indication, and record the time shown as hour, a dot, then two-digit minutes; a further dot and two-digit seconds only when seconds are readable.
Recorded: 7.43
